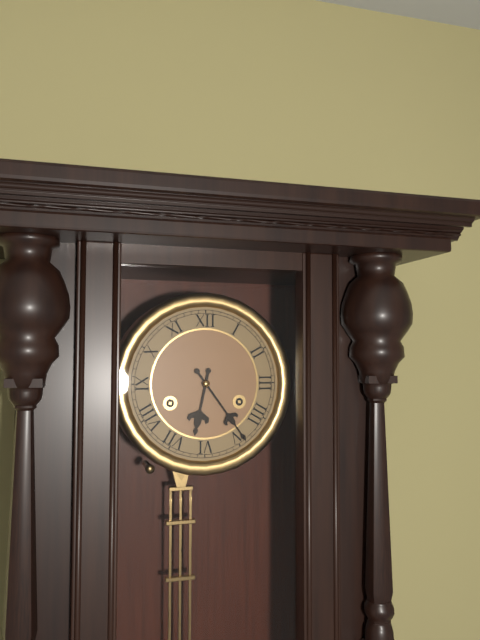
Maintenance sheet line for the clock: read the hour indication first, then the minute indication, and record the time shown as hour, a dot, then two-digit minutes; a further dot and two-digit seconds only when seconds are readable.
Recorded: 6.24
